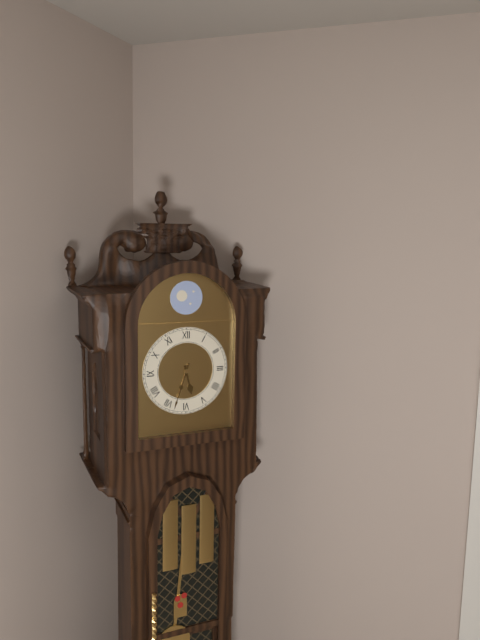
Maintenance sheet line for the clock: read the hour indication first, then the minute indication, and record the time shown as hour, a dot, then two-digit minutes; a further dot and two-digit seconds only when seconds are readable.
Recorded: 5.33
